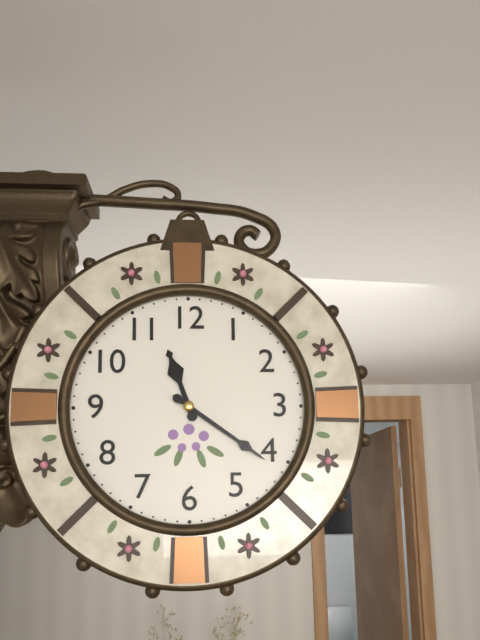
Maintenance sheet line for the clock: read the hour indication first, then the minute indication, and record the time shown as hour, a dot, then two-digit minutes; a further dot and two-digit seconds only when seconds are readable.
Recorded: 11.21
